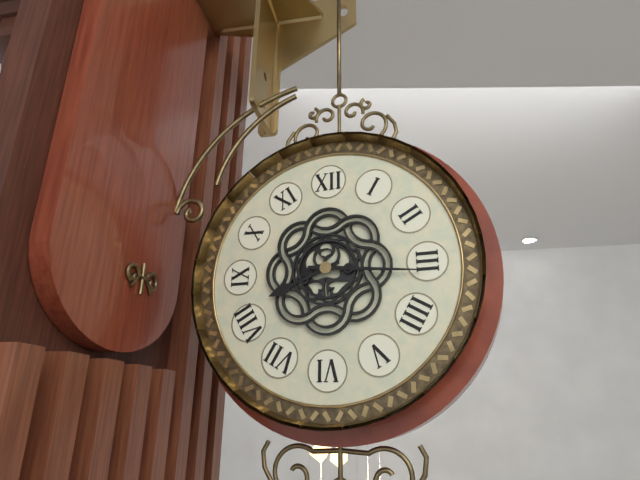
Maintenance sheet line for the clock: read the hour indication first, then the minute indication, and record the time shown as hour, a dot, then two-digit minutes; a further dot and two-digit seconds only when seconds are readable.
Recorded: 8.16
